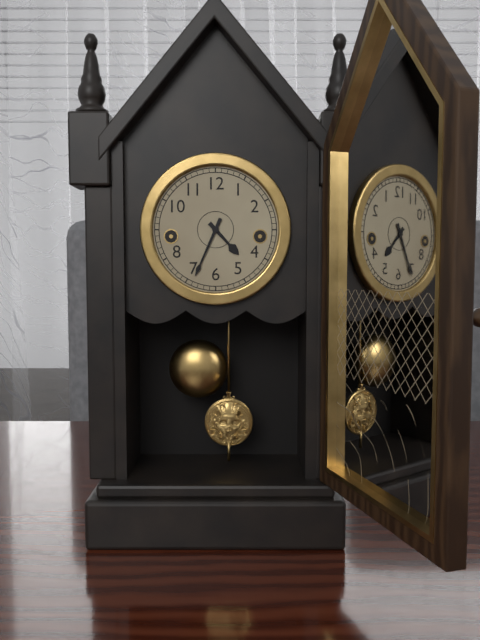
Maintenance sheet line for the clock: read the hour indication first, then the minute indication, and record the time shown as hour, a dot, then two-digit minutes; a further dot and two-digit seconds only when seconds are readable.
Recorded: 4.34
